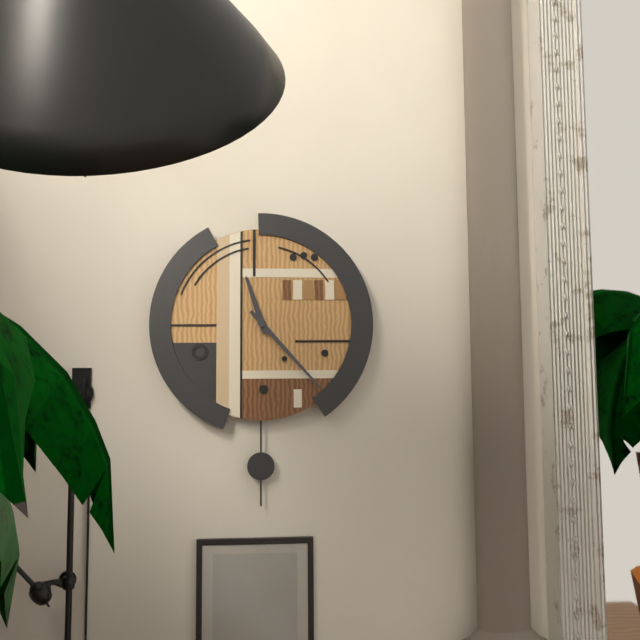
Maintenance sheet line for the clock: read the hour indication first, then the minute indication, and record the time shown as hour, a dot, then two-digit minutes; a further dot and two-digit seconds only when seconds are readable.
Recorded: 11.23
